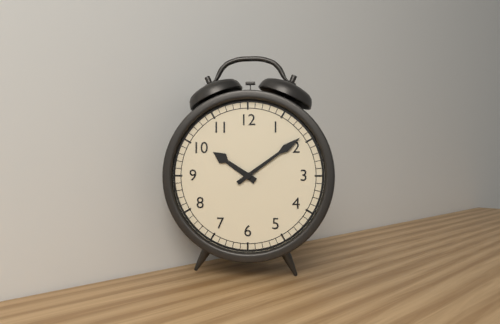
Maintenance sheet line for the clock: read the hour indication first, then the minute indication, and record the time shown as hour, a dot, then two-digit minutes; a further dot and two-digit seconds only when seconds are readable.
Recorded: 10.09
